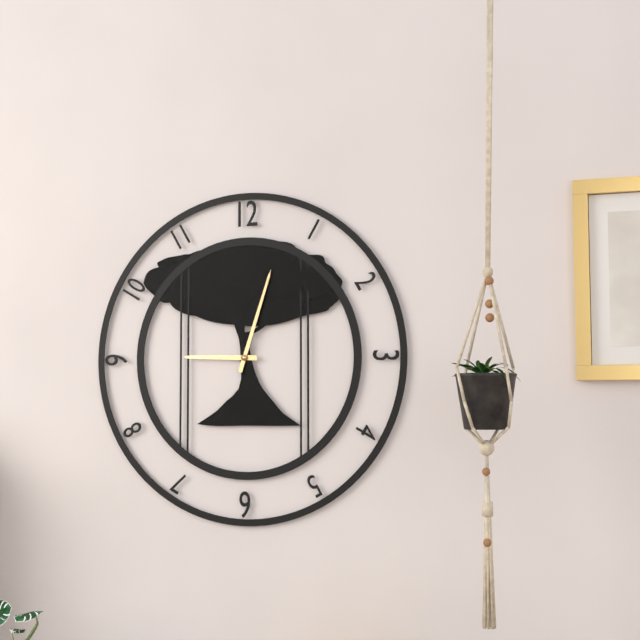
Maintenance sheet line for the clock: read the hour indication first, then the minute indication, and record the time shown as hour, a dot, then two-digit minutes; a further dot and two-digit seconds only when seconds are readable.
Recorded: 9.03
